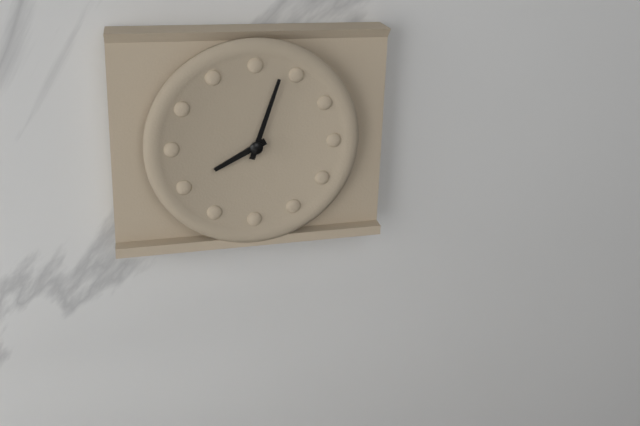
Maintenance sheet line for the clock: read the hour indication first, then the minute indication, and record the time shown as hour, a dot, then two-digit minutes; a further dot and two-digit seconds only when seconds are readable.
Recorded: 8.03
